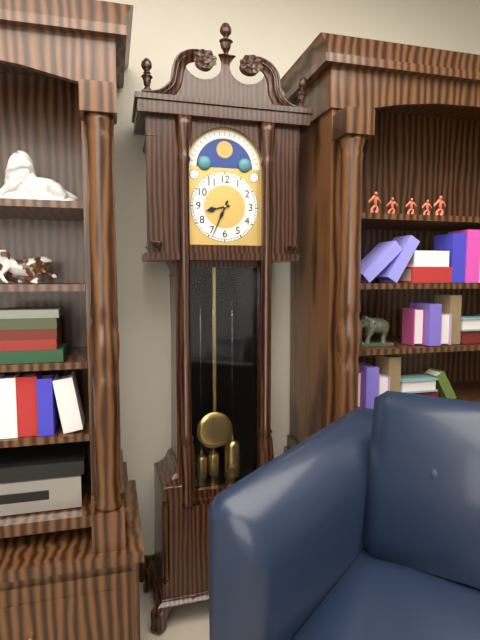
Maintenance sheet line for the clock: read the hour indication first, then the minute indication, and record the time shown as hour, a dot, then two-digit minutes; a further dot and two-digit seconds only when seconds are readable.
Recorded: 8.34
